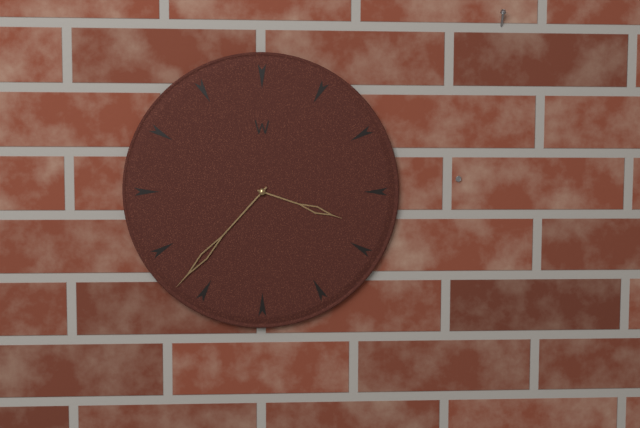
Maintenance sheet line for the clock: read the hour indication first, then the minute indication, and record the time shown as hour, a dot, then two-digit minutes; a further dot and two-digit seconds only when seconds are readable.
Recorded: 3.37
